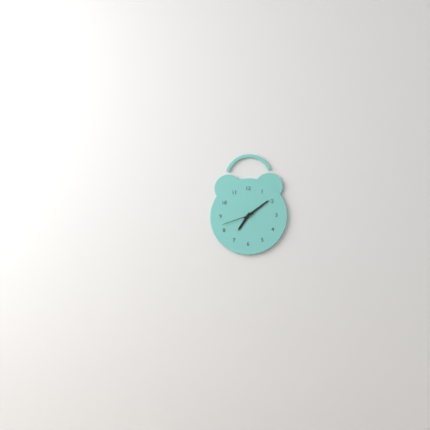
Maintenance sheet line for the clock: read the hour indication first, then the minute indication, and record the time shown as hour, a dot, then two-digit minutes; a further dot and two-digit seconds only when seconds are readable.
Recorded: 7.09
